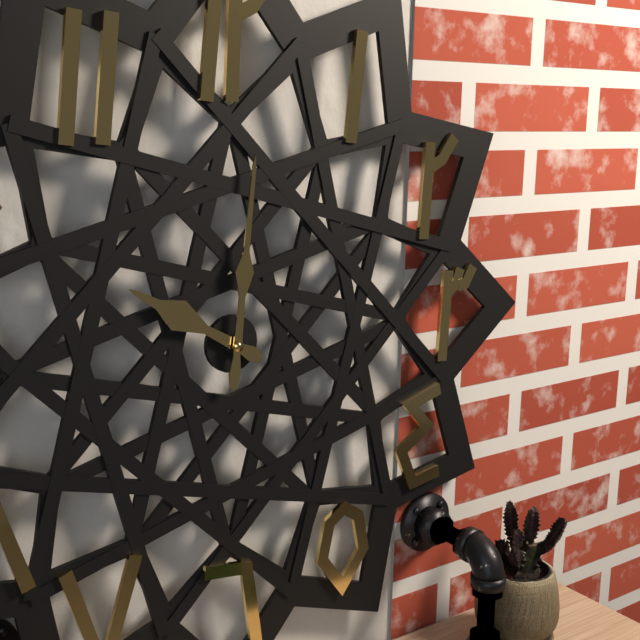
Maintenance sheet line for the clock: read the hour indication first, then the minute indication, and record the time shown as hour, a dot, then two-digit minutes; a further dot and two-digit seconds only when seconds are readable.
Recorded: 10.01
